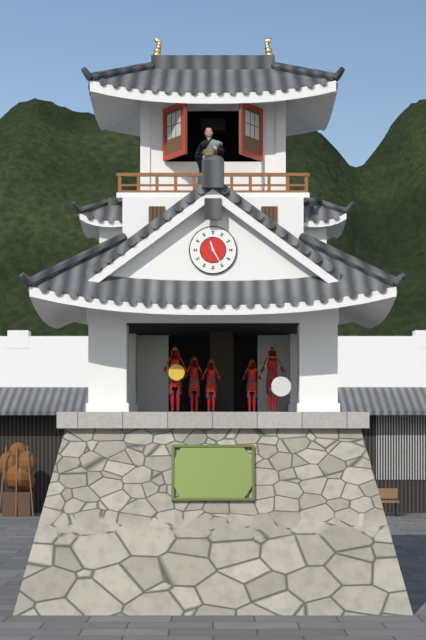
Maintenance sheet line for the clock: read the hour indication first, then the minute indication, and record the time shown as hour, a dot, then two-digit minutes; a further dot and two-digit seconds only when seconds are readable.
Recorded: 11.25
